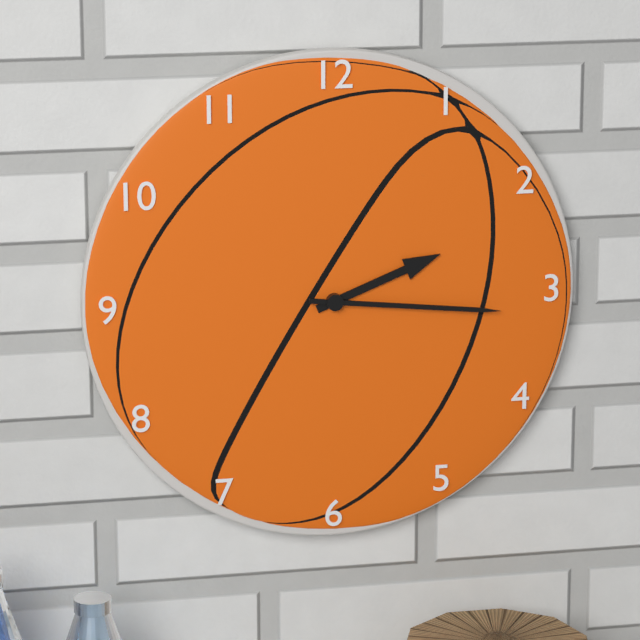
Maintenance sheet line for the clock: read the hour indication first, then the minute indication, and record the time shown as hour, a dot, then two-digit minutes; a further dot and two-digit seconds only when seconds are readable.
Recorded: 2.16
